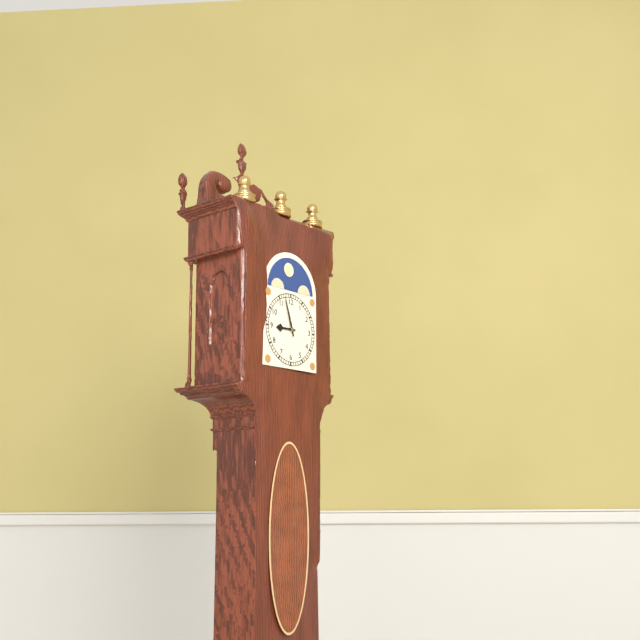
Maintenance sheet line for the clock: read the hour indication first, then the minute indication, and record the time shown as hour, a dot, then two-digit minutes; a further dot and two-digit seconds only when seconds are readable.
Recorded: 8.57
